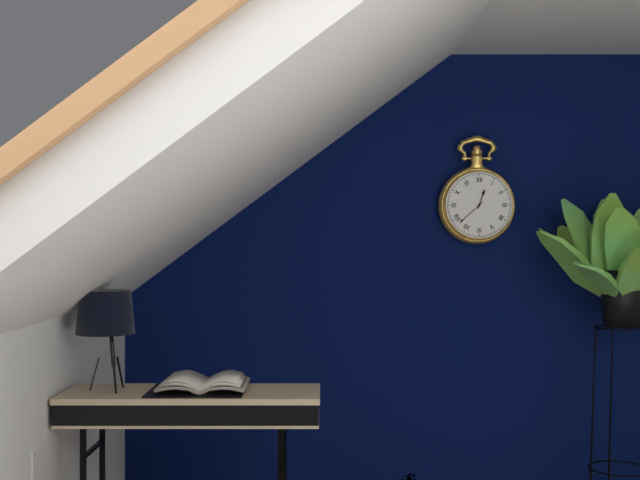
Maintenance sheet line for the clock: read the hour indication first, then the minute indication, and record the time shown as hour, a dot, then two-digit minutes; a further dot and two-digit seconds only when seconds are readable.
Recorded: 12.38
